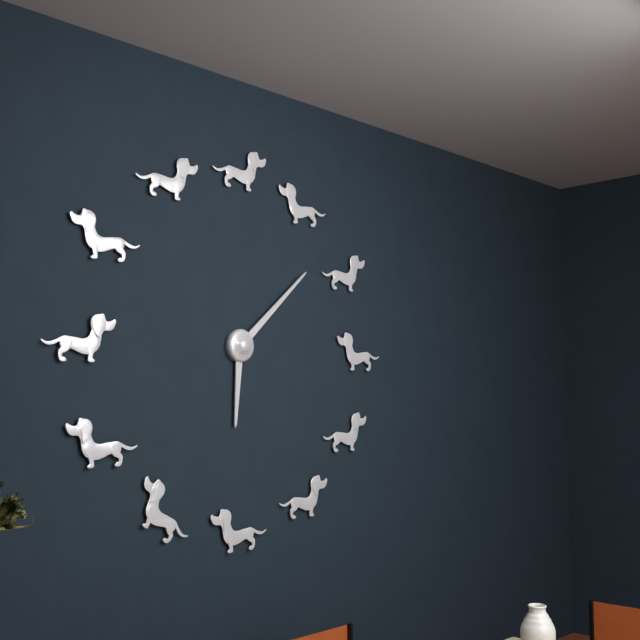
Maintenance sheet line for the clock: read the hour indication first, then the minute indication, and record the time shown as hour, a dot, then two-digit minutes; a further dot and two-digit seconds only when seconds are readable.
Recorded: 6.08
